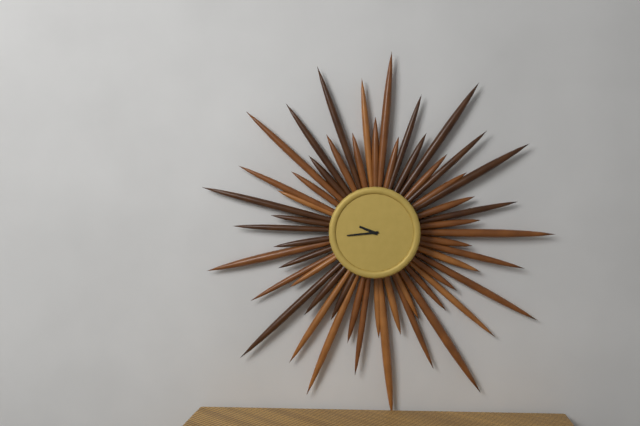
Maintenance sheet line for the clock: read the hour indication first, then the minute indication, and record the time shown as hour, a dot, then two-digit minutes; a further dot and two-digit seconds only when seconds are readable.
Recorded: 9.44
